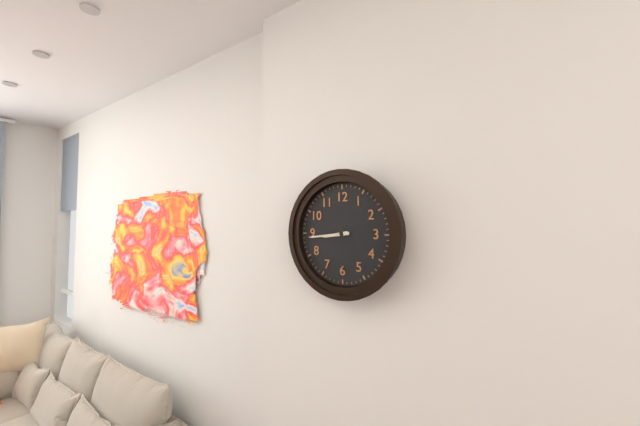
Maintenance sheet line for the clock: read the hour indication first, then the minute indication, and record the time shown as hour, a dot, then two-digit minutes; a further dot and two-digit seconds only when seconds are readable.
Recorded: 8.44
